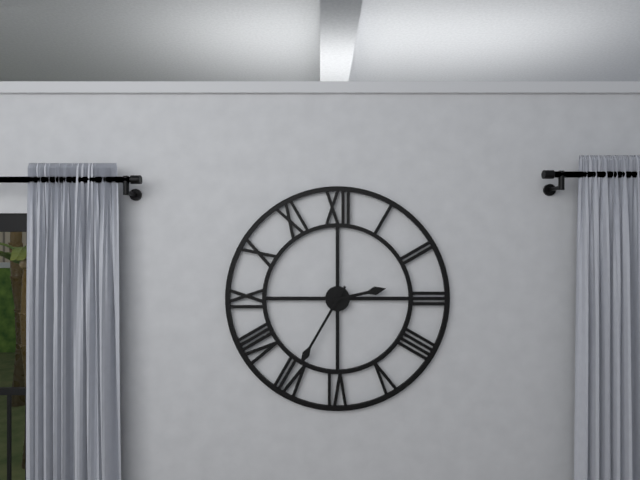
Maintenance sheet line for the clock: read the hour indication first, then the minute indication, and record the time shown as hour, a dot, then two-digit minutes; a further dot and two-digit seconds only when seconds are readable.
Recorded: 2.35
